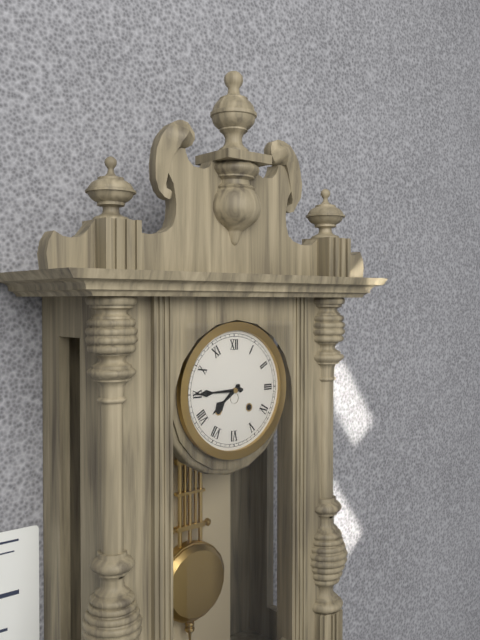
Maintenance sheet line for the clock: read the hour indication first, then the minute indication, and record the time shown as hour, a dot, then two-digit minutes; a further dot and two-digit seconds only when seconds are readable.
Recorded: 7.45
